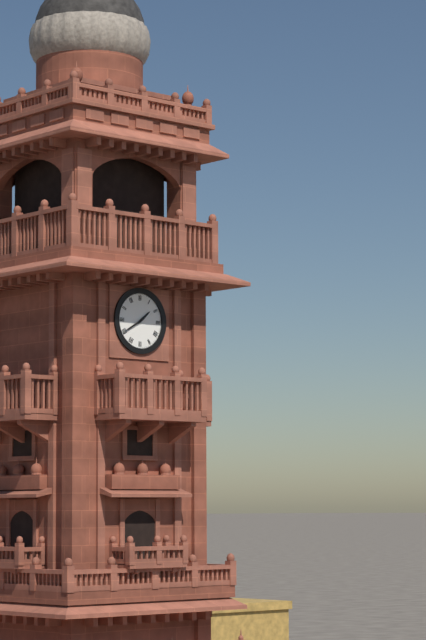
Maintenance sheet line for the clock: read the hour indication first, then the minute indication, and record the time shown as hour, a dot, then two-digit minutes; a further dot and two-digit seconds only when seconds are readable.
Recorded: 1.40
